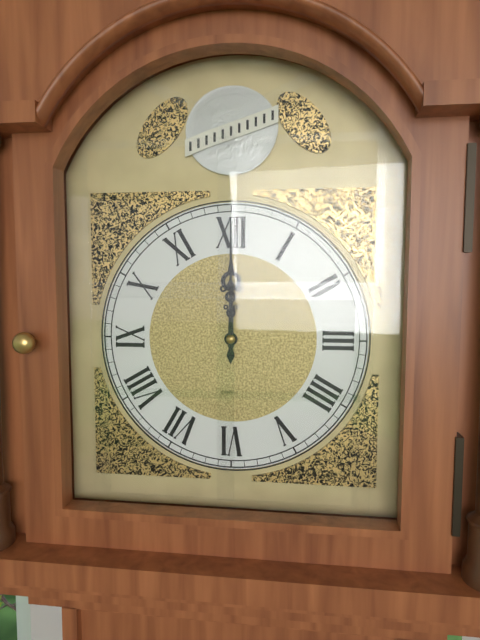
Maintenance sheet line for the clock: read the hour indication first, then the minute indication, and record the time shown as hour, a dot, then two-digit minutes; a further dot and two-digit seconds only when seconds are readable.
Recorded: 12.00
